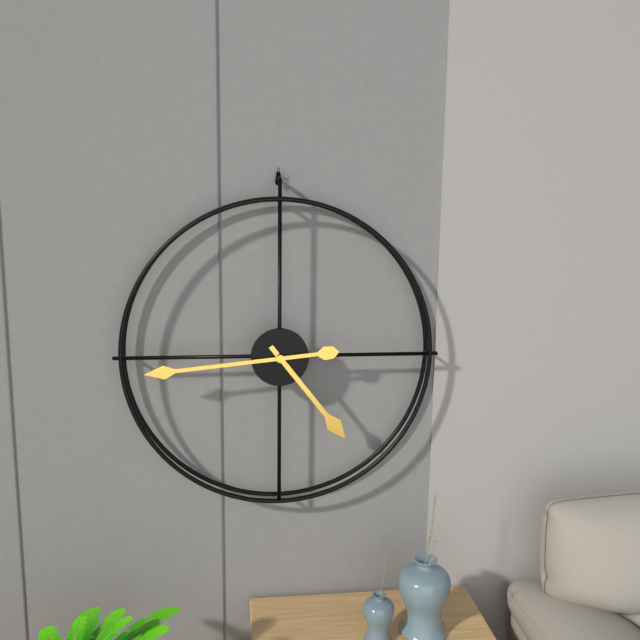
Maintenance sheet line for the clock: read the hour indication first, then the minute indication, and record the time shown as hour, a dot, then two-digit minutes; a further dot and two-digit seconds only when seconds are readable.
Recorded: 4.44
